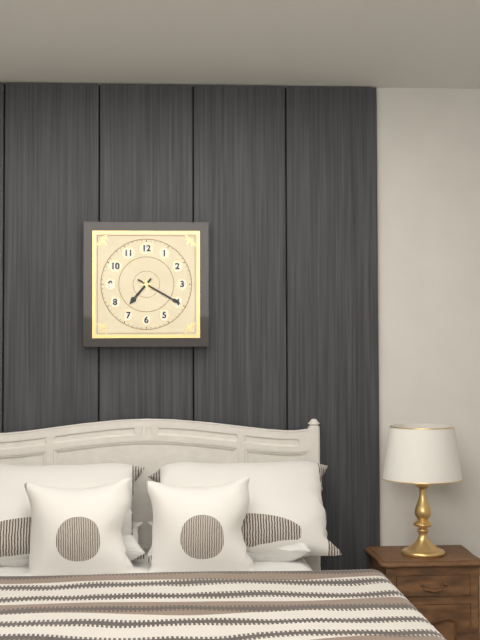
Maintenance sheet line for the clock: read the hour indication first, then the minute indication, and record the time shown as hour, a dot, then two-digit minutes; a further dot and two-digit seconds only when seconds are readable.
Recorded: 7.20
